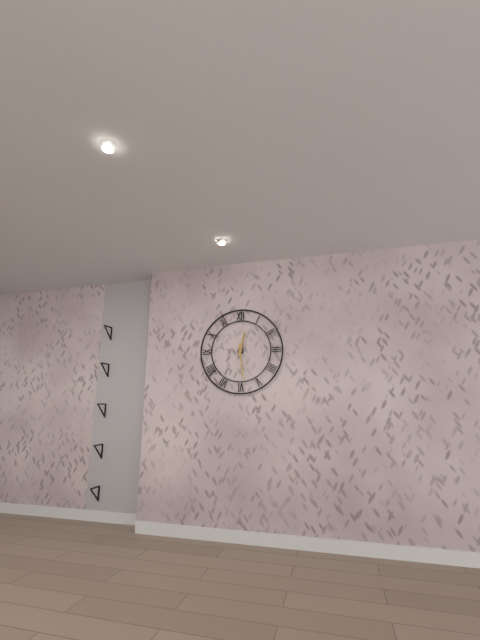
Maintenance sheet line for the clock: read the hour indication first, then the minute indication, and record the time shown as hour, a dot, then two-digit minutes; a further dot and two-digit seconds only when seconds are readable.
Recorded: 12.29
